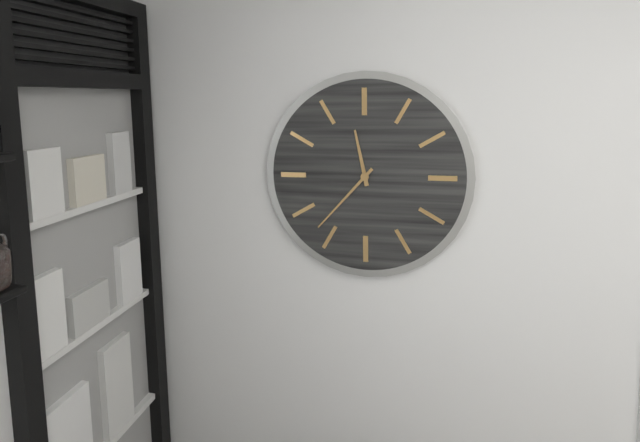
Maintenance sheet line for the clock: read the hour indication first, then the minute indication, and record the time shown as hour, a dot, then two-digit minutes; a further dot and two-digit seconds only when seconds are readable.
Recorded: 11.37
